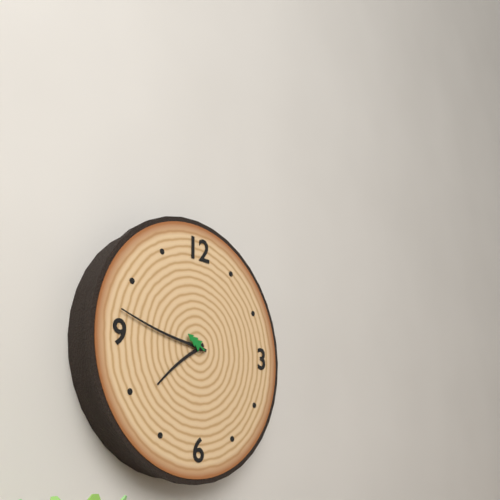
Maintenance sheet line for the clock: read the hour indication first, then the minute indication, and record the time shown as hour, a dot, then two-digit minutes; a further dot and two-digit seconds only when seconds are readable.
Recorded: 7.47
